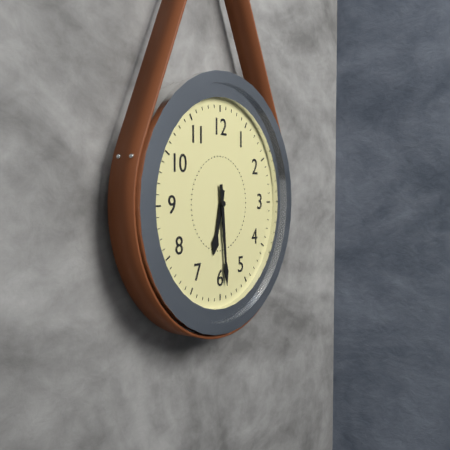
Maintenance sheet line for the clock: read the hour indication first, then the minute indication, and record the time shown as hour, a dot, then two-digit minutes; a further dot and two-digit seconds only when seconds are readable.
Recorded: 6.29
